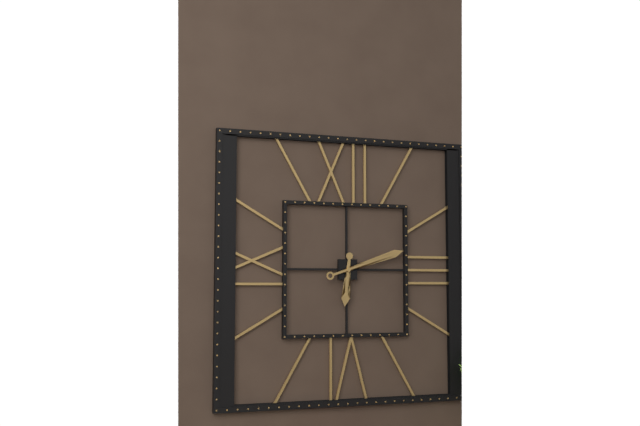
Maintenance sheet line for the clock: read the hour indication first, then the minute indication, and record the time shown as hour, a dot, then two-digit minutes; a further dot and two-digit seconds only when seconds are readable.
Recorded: 6.12
